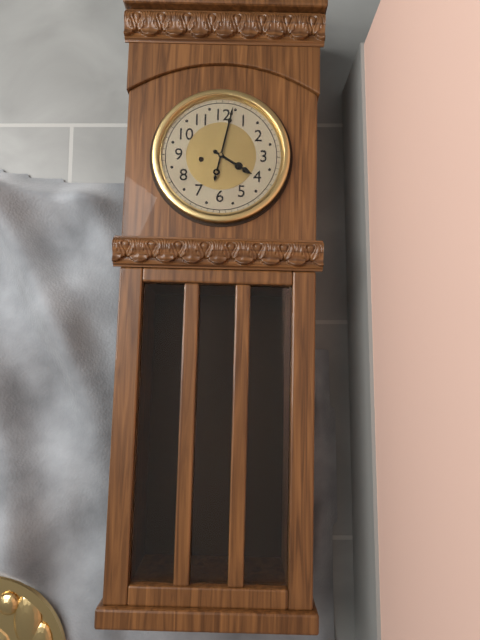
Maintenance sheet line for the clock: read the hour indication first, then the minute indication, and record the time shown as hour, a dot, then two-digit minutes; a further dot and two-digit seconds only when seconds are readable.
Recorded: 4.02
